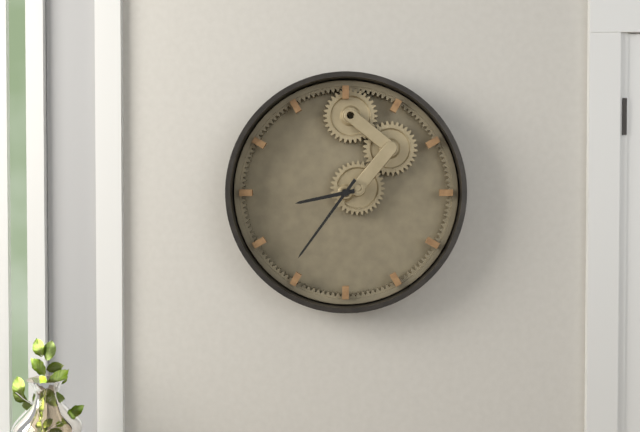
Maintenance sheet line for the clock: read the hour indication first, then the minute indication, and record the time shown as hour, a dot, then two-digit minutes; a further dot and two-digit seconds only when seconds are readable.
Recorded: 8.36
